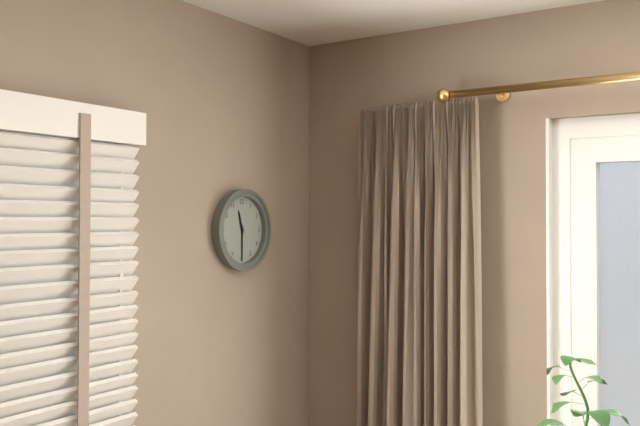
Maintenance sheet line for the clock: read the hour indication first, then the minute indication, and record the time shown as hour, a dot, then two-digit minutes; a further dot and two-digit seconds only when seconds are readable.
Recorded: 11.30
